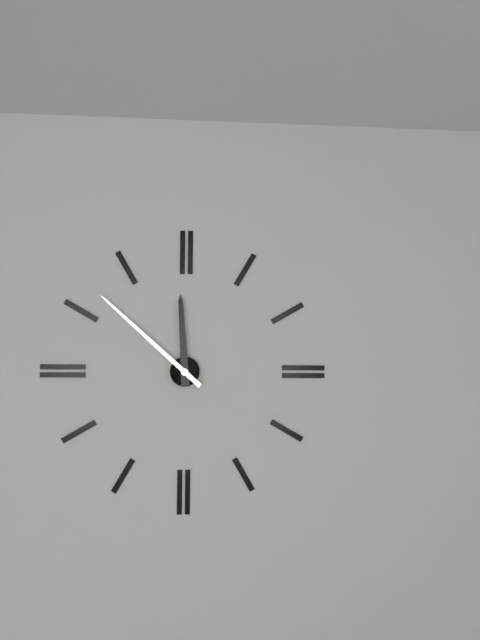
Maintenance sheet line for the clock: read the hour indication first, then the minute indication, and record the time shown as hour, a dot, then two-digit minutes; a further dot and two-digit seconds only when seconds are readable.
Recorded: 11.52
